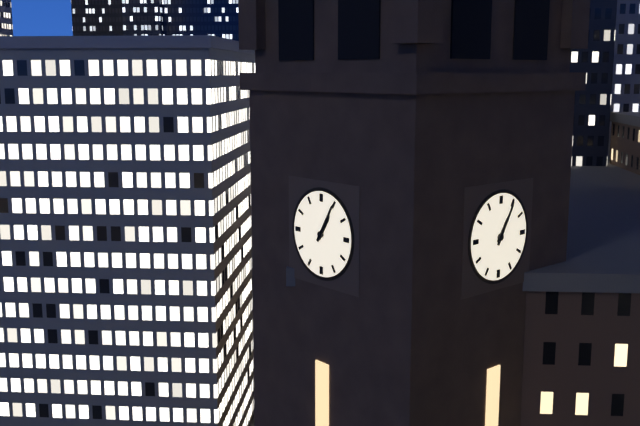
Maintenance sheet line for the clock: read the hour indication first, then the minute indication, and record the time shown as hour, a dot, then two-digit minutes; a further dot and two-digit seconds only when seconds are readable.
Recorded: 1.05
